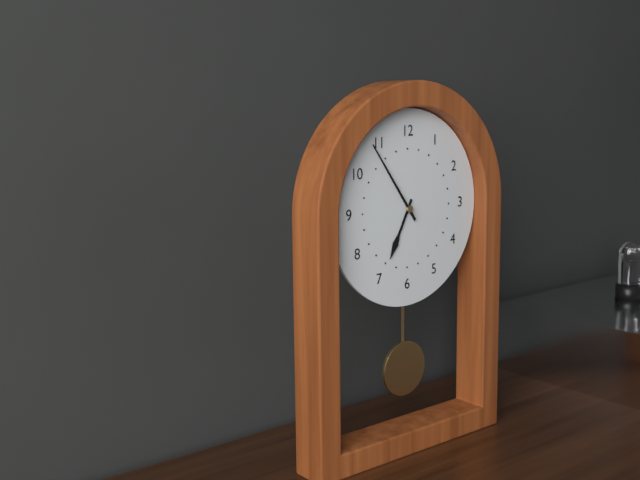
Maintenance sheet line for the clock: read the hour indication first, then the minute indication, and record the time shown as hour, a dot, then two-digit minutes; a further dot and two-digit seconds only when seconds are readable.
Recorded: 6.54
